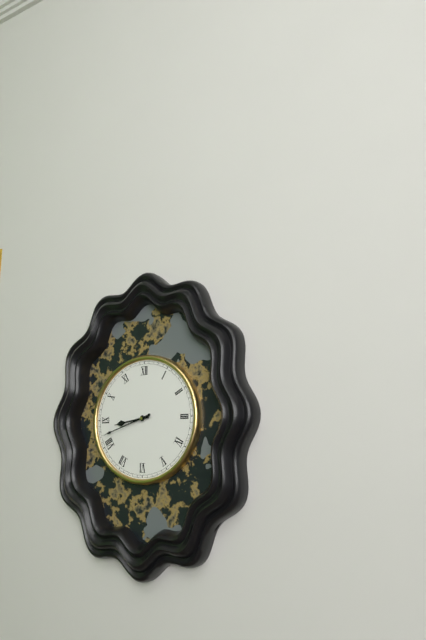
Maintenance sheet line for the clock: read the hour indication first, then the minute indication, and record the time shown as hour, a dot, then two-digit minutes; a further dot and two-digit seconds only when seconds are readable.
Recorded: 8.42
